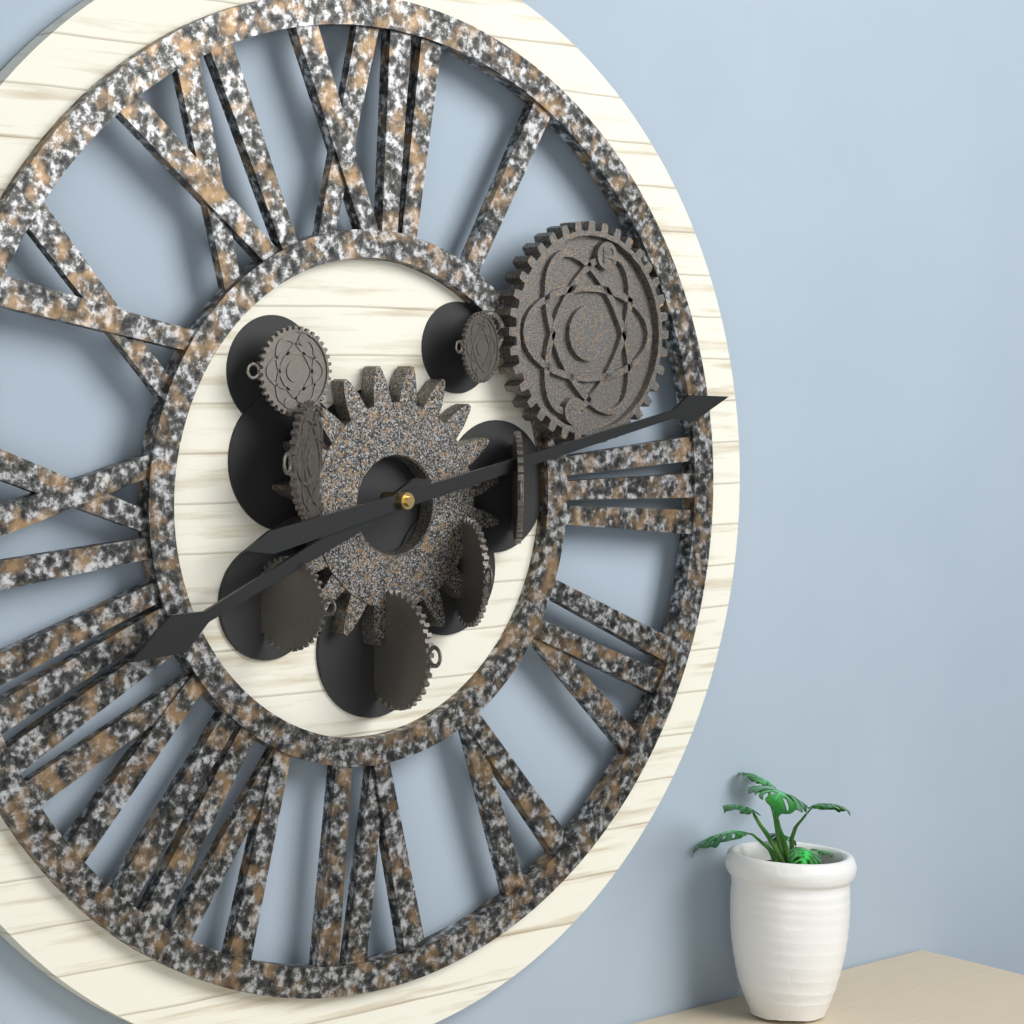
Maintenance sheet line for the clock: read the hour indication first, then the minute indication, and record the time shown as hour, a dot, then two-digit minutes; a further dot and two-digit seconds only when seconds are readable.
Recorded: 8.13
